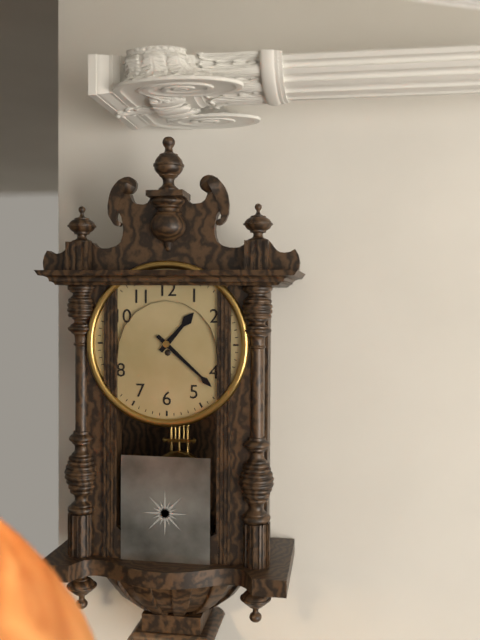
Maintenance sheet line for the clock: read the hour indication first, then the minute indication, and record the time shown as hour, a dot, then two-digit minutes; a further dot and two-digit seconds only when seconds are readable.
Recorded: 1.22
